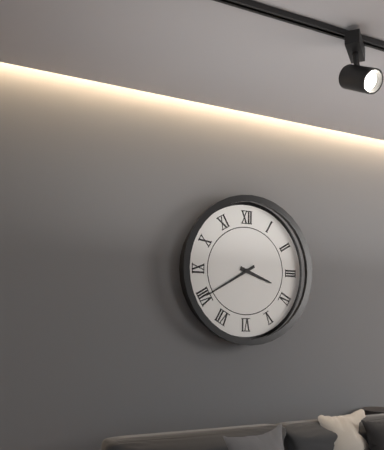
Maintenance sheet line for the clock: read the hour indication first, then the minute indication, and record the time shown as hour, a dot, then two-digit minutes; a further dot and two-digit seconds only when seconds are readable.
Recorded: 3.40
